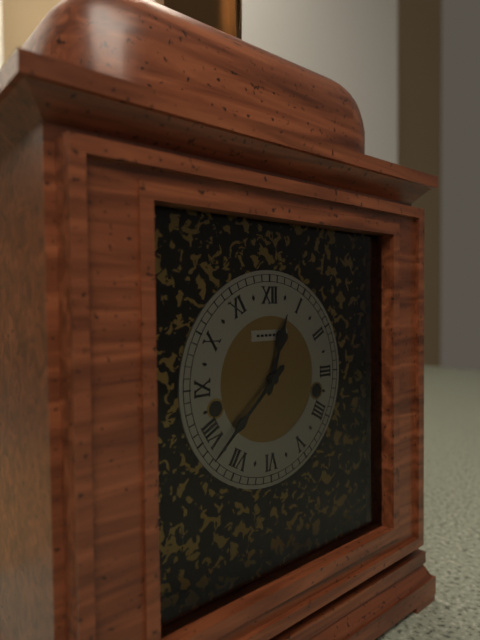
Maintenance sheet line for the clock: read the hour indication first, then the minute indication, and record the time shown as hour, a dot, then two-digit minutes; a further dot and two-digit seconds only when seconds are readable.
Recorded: 12.38
